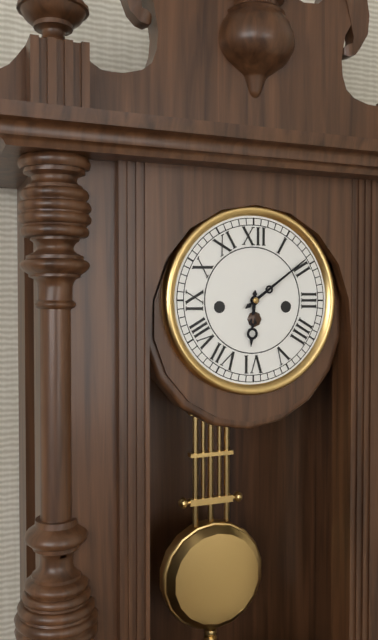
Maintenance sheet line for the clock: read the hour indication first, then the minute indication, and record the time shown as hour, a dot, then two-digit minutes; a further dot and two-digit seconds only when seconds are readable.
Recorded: 6.09
